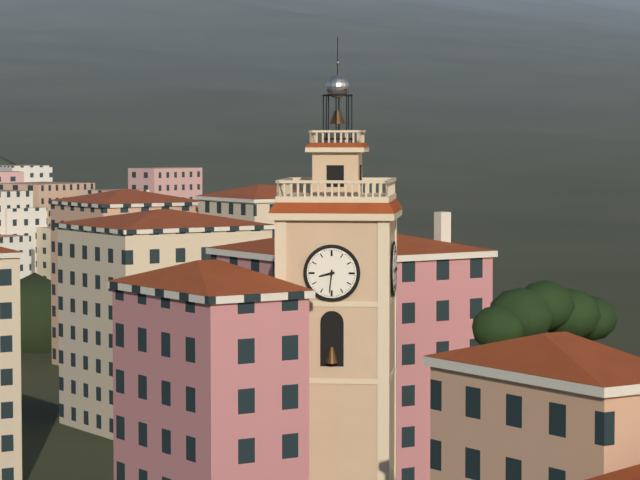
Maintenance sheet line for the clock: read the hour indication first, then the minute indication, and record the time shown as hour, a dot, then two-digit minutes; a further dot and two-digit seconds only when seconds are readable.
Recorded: 8.31
